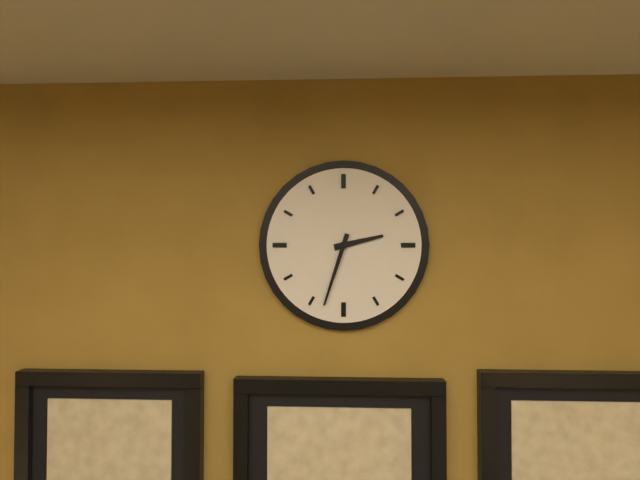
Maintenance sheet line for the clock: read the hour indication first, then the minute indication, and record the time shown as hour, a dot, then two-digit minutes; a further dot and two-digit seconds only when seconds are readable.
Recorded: 2.33
